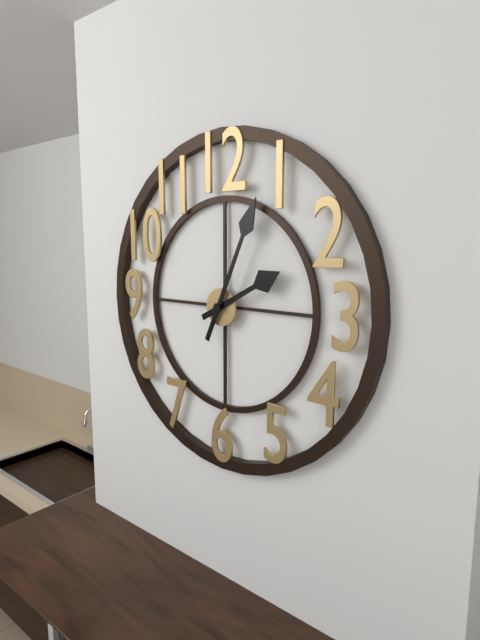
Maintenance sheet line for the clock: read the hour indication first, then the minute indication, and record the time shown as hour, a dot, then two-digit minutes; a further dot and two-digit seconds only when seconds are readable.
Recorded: 2.04
